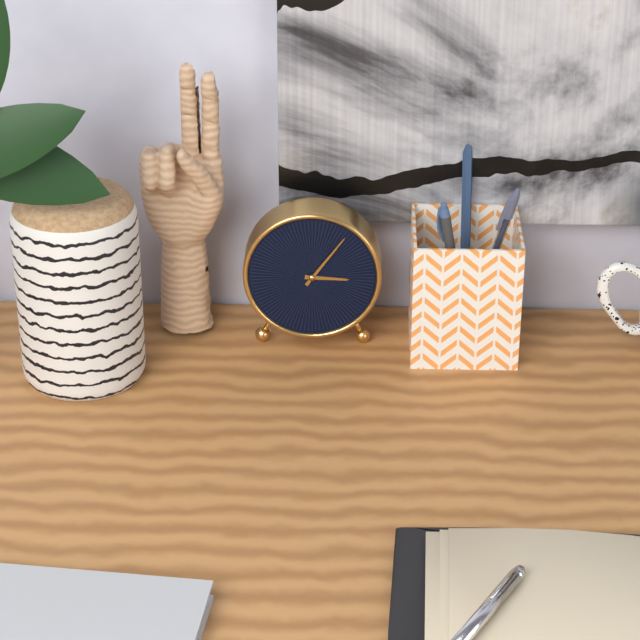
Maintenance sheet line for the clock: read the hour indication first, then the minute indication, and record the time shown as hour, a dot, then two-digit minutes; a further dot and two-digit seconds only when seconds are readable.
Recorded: 3.06
